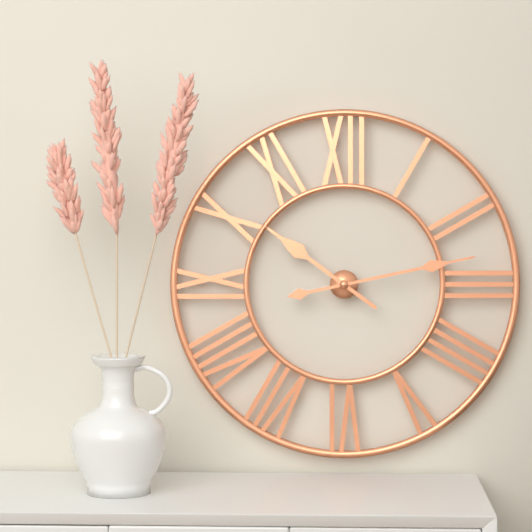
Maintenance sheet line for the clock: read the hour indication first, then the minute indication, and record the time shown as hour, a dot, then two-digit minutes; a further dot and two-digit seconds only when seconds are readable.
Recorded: 10.13
